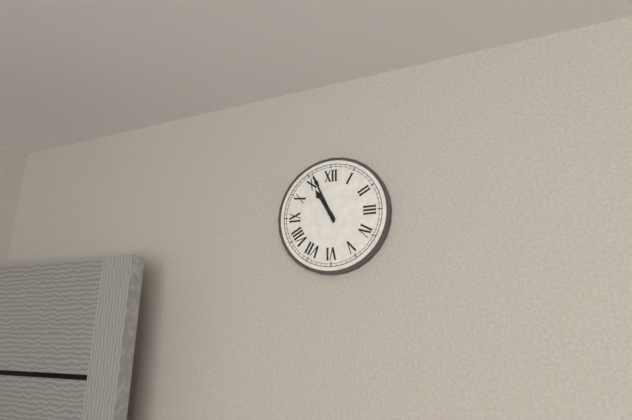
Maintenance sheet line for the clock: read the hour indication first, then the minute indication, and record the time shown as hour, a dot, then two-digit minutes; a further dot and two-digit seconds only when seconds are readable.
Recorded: 10.56
